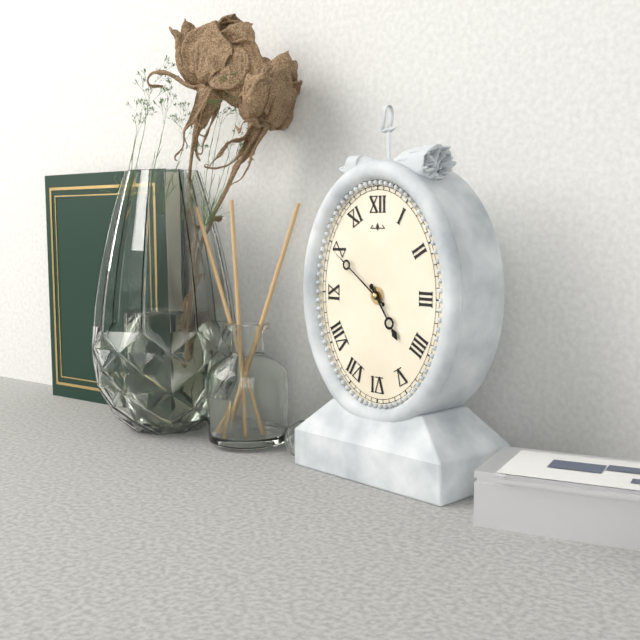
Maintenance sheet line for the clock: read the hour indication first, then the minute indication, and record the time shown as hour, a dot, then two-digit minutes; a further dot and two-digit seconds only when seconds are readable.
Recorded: 4.51
